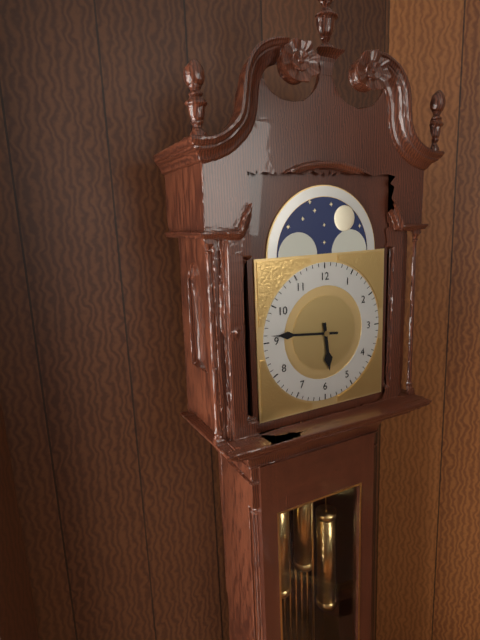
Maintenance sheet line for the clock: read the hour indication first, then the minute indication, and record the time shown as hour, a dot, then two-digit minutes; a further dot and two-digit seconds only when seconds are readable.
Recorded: 5.46
